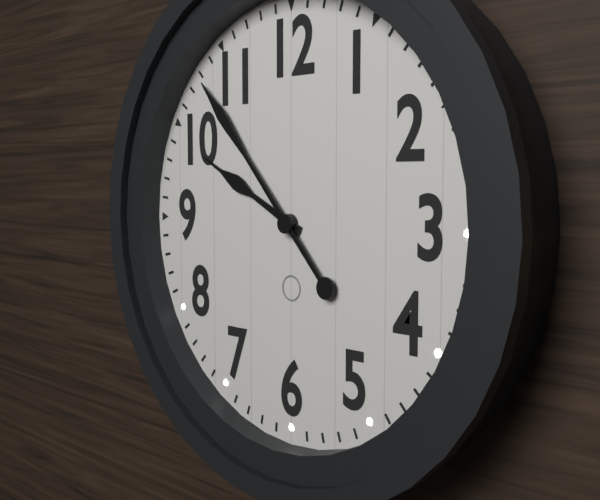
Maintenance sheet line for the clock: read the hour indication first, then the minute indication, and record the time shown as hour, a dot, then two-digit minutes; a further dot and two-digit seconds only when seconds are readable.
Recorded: 9.53
